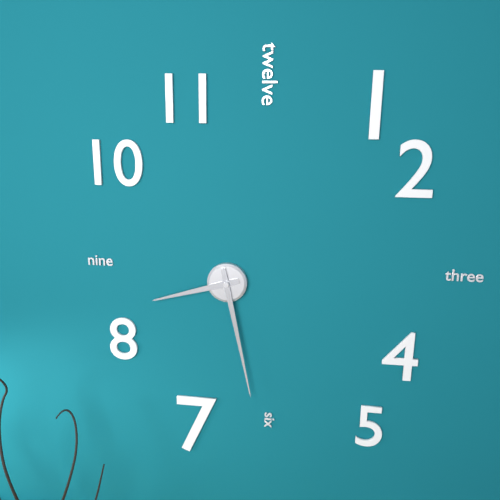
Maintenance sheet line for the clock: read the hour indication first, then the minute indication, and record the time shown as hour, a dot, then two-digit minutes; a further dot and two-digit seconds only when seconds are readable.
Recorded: 8.28
